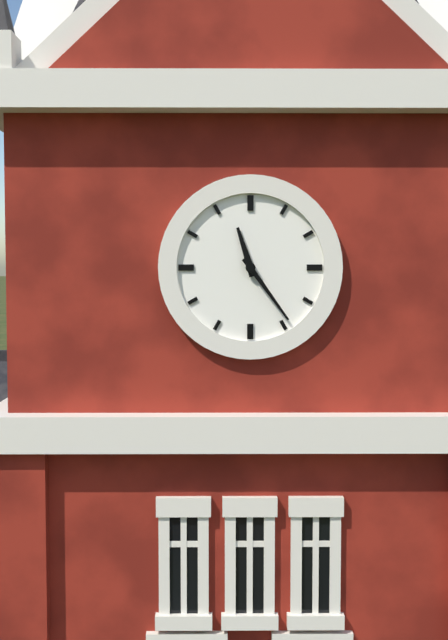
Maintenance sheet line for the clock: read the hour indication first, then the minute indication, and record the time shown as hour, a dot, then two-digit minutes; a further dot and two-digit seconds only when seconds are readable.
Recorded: 11.24
